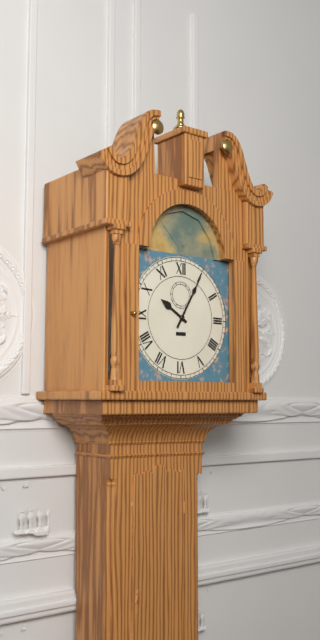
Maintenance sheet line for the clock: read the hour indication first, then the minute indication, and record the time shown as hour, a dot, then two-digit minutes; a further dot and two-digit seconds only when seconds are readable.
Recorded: 10.05
